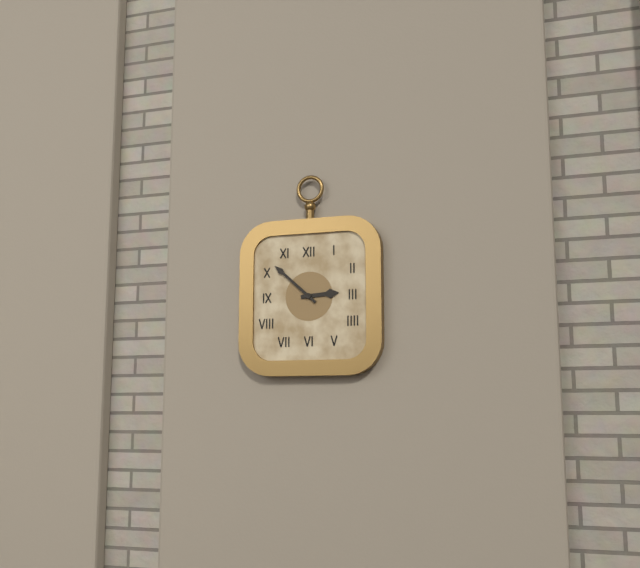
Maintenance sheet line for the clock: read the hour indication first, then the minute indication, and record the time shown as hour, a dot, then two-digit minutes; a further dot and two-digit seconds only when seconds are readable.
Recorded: 2.52
